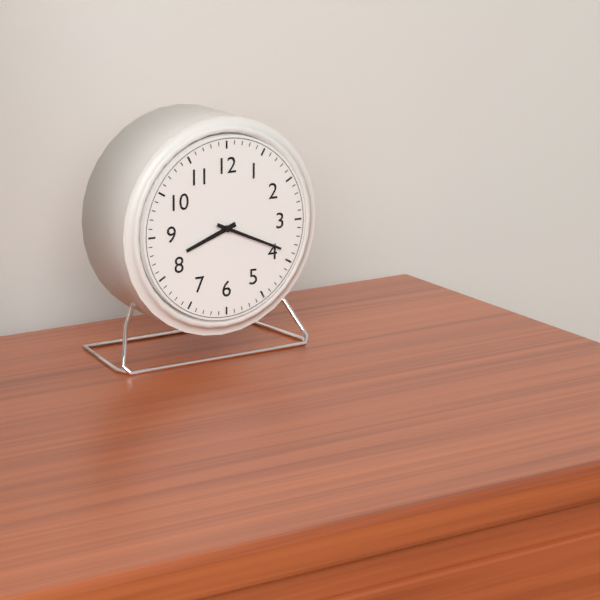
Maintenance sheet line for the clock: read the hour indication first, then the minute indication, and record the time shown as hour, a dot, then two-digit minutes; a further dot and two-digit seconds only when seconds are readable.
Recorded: 8.19
